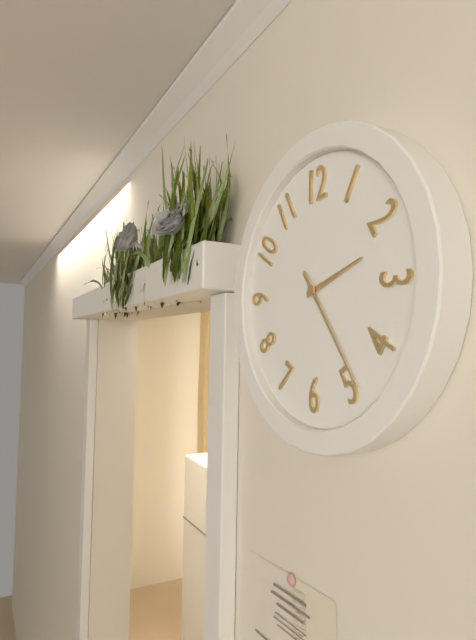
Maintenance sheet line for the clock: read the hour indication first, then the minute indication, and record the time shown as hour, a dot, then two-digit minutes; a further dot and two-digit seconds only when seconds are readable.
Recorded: 2.24
